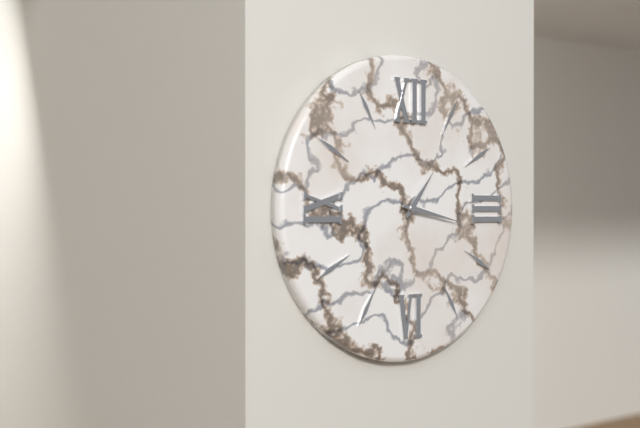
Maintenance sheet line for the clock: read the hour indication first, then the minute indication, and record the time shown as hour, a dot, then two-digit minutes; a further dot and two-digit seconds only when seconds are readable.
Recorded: 1.17
